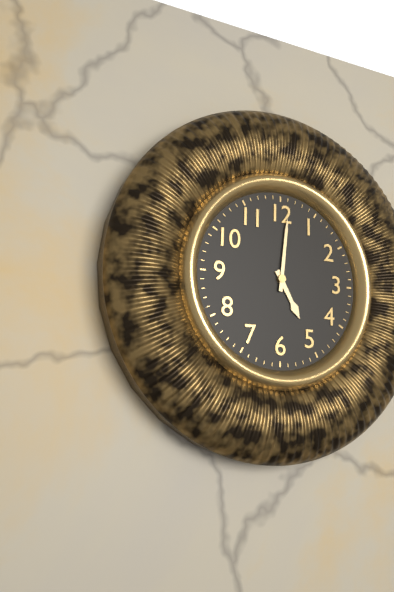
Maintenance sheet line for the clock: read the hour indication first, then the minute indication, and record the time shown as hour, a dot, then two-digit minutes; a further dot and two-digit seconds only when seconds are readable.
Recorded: 5.01
